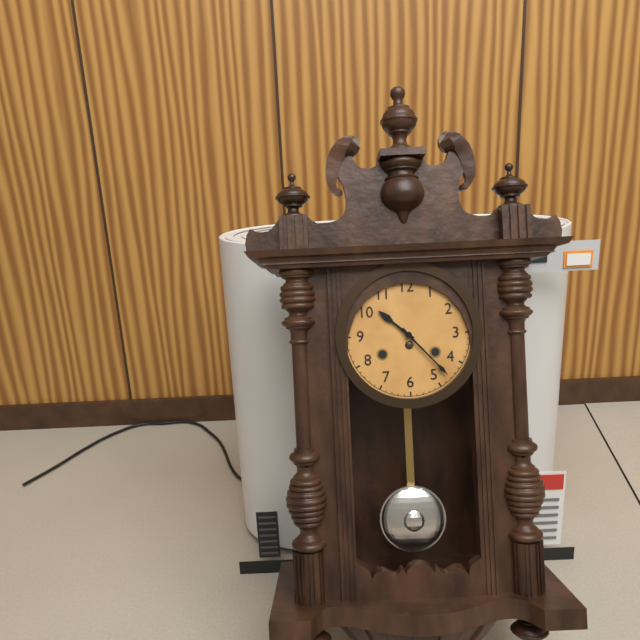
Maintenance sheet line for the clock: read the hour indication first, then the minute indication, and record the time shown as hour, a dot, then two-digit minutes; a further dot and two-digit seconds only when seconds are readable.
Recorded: 10.23
